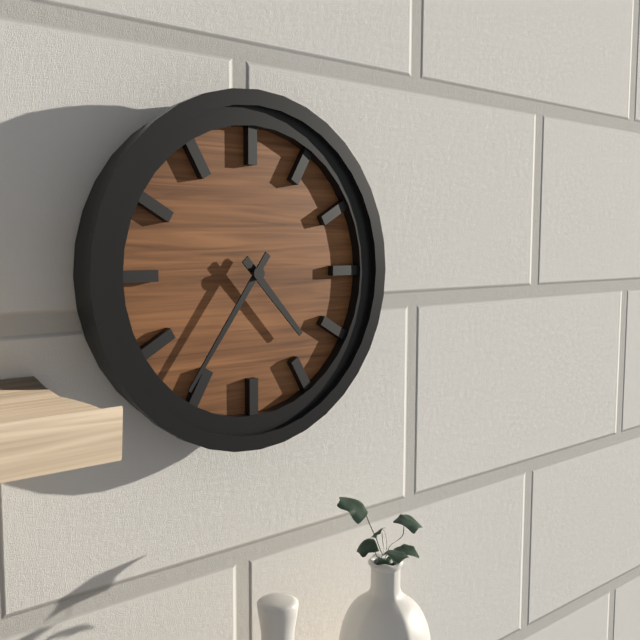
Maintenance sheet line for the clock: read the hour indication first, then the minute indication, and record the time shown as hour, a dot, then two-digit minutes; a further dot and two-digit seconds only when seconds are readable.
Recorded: 4.36
